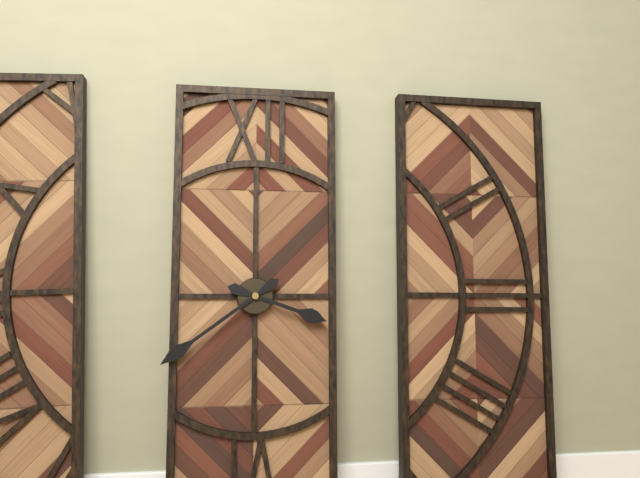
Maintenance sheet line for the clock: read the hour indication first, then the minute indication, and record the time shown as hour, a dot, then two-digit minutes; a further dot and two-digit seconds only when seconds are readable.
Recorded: 3.39
